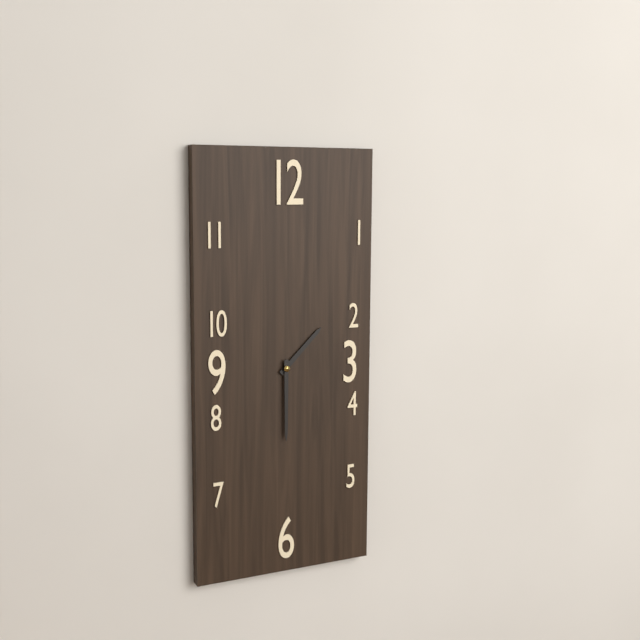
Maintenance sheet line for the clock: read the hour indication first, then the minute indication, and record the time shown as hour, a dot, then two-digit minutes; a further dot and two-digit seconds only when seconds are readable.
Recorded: 1.30
